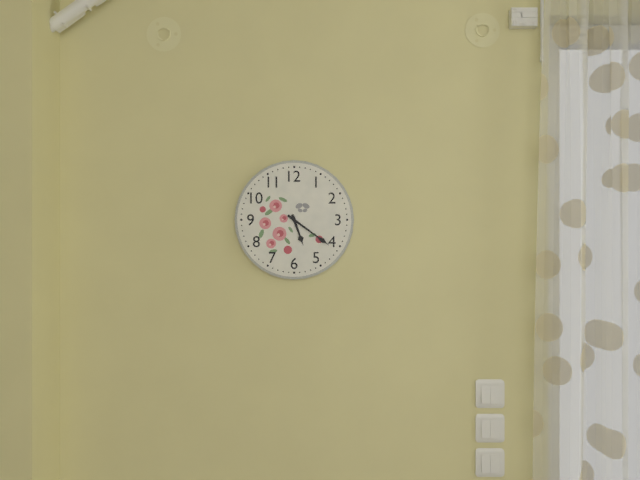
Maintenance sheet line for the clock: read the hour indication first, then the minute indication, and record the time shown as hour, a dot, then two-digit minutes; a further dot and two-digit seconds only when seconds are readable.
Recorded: 5.21
